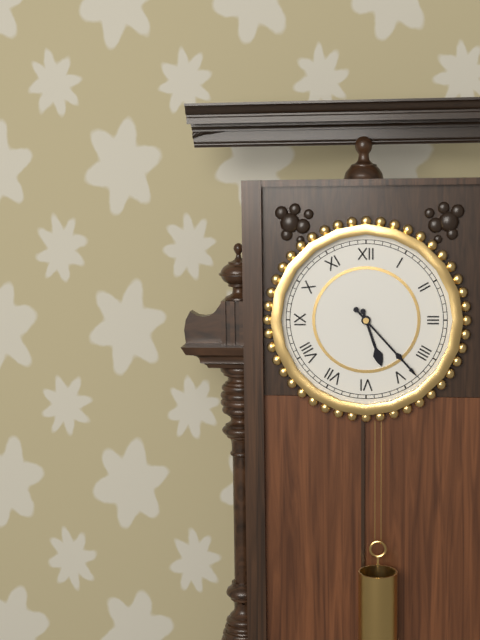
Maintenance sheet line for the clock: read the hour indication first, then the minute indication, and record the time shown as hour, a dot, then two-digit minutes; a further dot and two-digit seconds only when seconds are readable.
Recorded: 5.23
